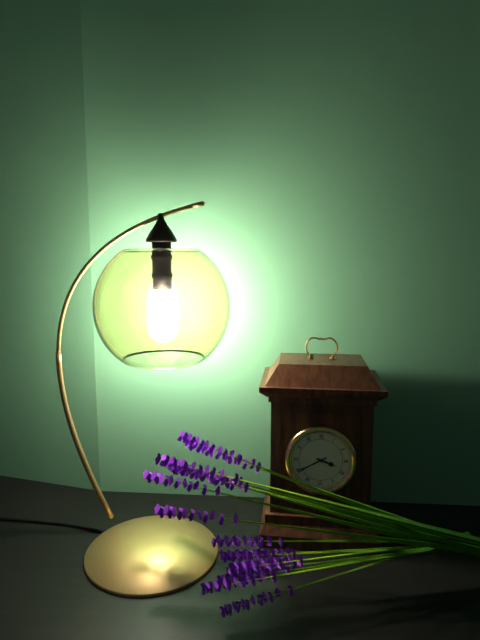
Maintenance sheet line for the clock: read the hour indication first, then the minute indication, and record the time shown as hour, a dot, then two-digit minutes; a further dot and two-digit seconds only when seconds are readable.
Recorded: 3.40
